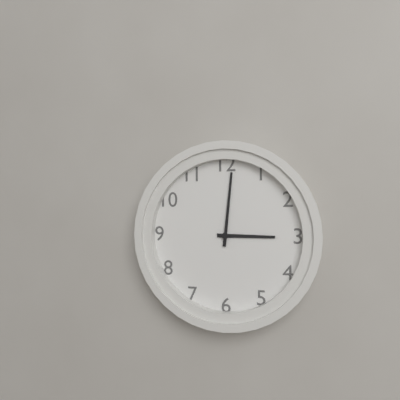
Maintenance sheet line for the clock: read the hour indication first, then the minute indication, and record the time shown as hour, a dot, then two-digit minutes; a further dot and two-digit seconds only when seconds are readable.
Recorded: 3.01
